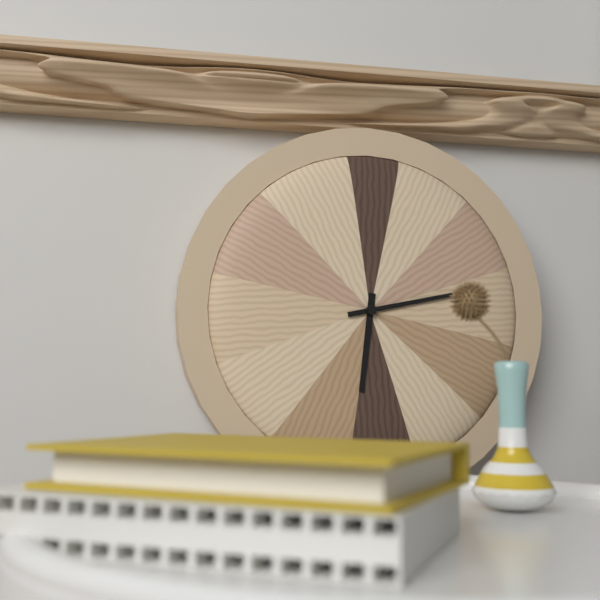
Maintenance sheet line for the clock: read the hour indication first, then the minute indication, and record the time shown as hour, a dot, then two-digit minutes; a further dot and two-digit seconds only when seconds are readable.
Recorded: 6.13
